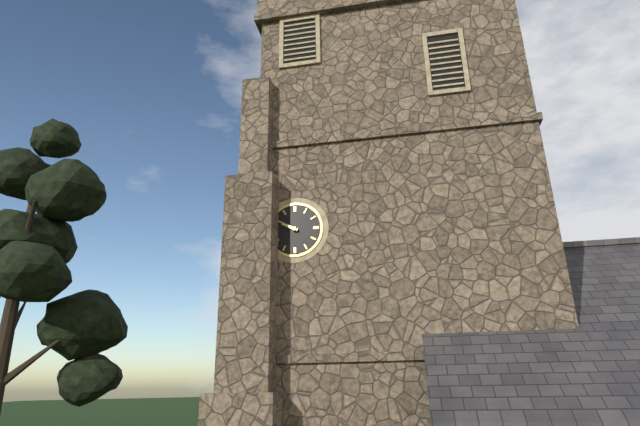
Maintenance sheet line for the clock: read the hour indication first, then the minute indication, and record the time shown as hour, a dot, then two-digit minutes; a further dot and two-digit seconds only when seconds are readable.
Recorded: 9.50
